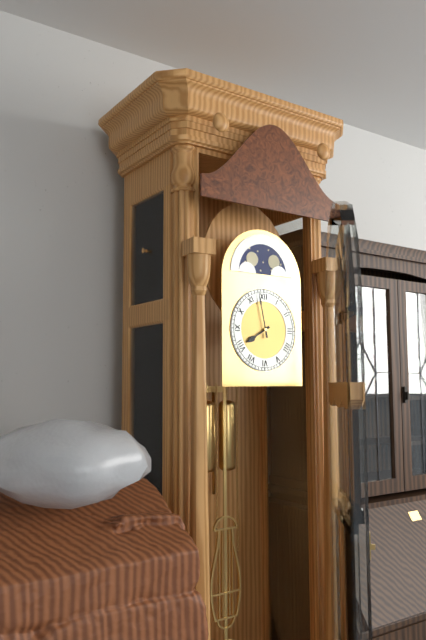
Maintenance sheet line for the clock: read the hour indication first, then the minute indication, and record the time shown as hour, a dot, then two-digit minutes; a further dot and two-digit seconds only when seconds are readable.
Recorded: 7.58
